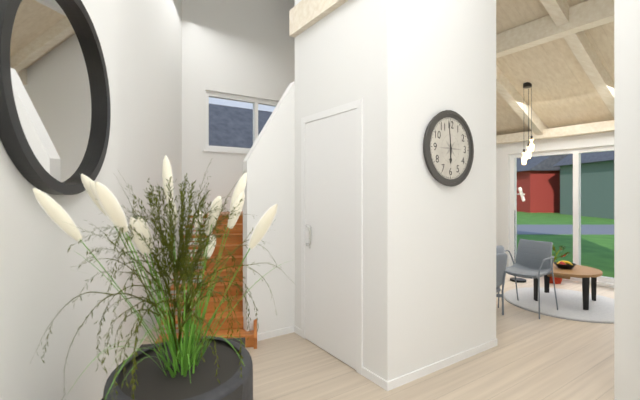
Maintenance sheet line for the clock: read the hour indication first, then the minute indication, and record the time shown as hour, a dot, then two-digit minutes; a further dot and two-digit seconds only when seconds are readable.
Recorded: 5.59
